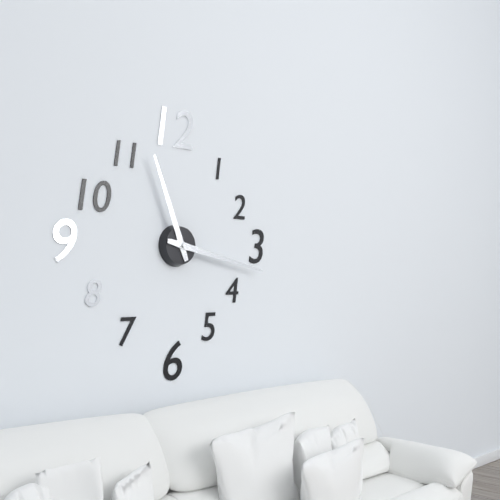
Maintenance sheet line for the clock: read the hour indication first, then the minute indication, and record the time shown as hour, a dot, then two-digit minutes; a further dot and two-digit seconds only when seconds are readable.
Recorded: 11.17
